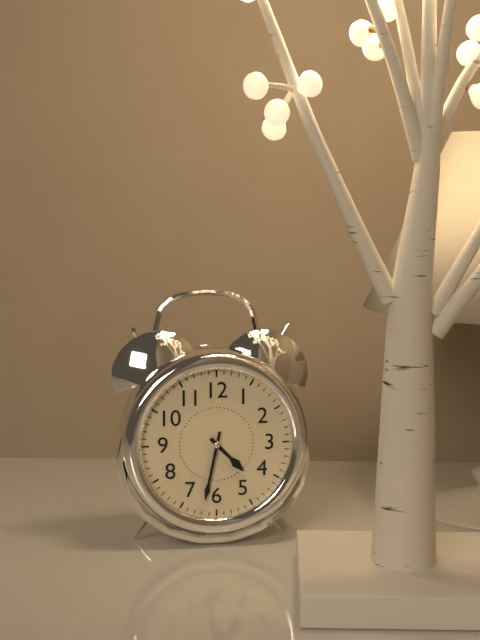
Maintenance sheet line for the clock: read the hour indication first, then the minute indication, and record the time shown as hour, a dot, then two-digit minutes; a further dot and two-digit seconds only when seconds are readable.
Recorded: 4.32
